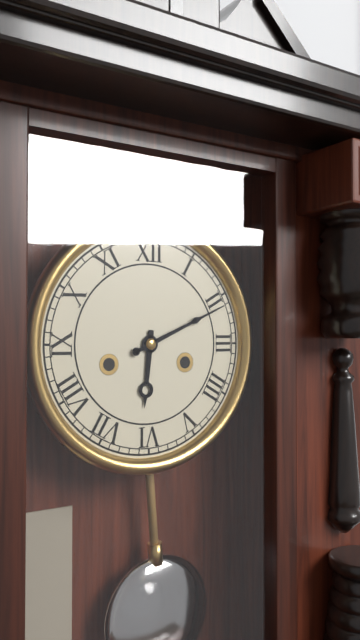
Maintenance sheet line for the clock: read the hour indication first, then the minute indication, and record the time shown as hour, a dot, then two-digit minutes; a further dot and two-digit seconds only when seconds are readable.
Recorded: 6.11
